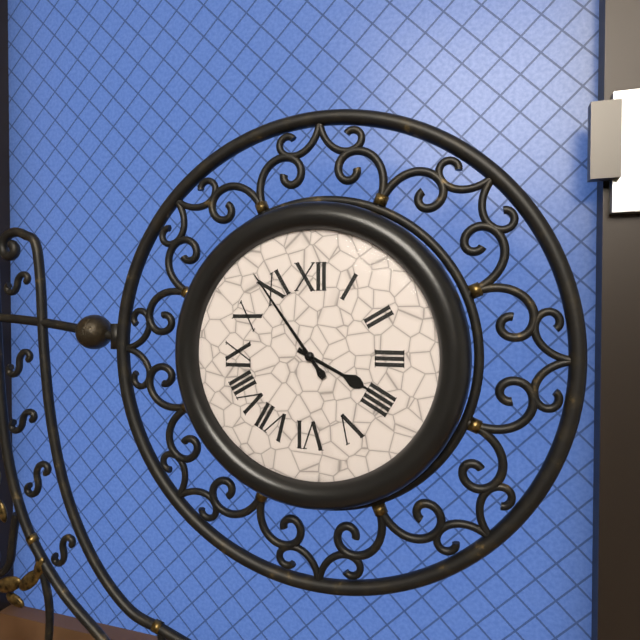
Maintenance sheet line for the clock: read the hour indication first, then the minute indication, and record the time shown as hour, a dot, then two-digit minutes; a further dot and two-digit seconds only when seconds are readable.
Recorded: 3.54
